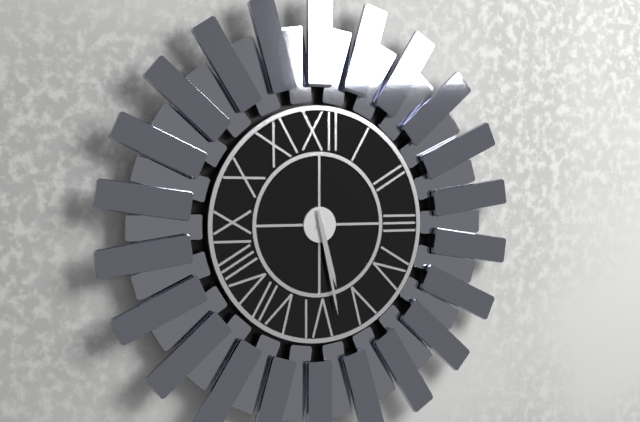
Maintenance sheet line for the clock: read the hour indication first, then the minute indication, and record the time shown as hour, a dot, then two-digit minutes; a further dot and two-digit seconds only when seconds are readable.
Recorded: 5.28
